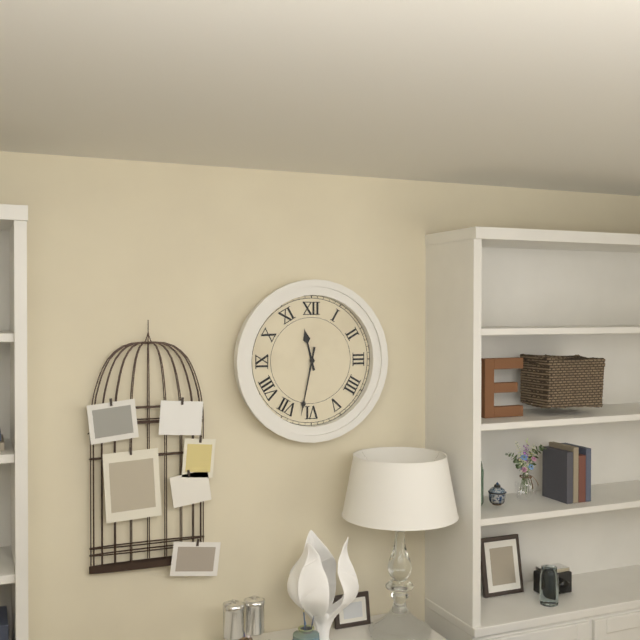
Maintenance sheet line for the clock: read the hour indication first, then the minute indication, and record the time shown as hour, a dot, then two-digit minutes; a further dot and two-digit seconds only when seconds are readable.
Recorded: 11.32
